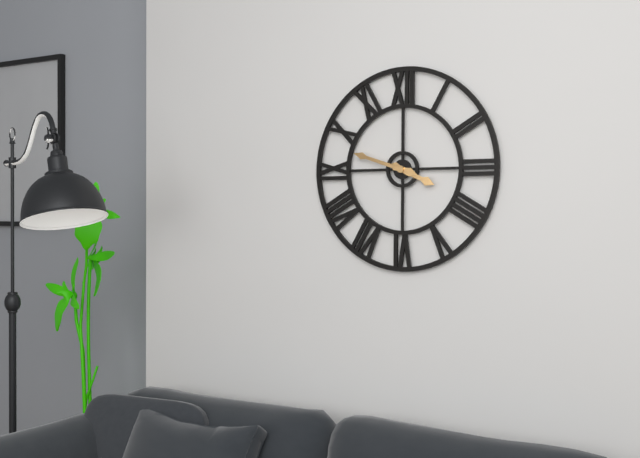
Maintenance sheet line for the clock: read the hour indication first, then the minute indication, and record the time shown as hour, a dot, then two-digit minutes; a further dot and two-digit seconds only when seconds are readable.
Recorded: 3.48
